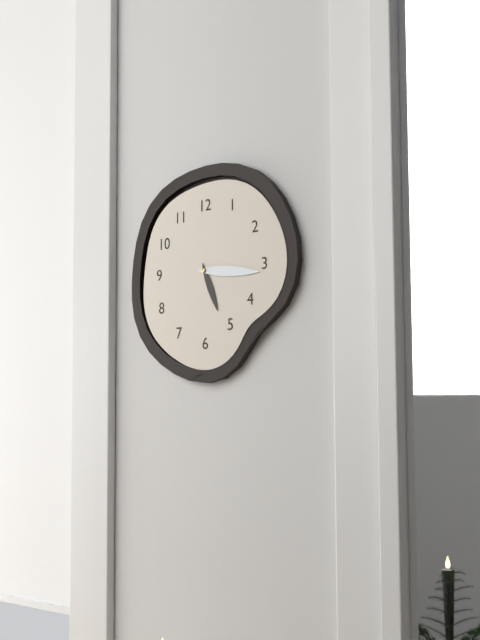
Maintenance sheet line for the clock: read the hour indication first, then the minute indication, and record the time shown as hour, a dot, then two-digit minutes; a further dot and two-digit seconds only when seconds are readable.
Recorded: 5.16
